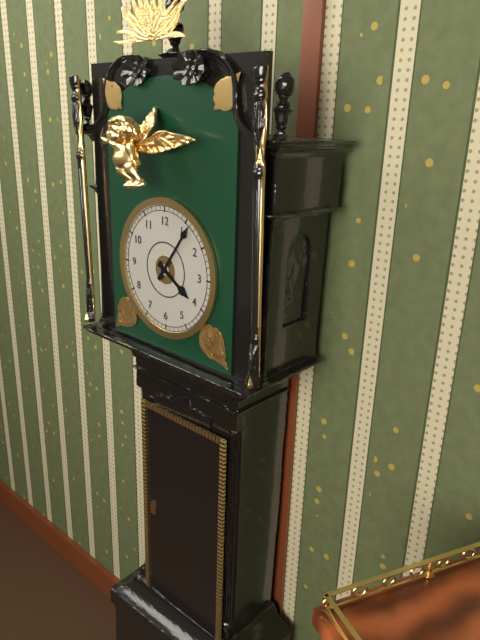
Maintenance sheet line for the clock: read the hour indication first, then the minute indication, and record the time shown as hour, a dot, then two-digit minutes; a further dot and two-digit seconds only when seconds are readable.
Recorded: 4.06
